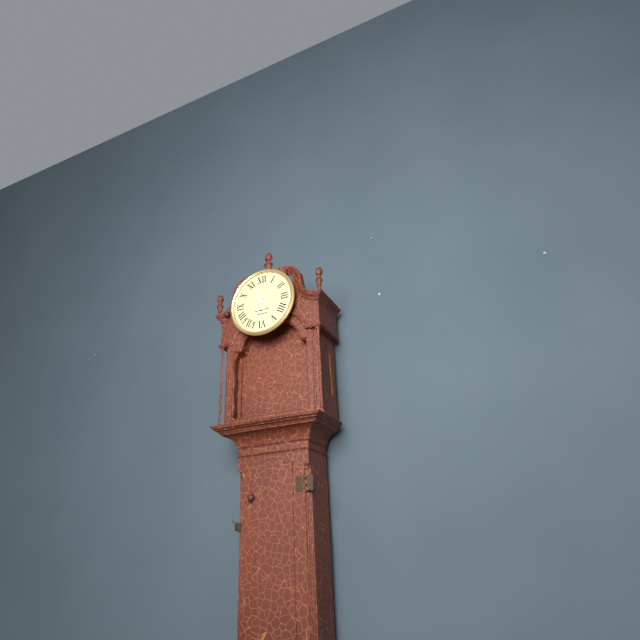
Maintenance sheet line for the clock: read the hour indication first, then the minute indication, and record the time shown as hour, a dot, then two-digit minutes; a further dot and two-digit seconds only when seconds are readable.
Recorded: 10.33
